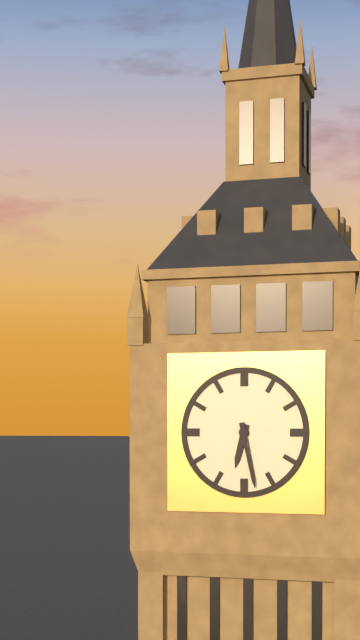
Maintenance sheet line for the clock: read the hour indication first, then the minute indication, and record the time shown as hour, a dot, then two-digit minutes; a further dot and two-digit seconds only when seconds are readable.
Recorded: 6.28
